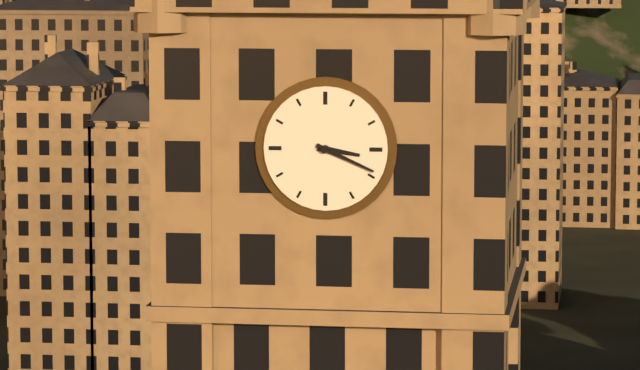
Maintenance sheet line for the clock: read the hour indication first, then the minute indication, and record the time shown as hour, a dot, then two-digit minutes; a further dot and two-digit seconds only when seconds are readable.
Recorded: 3.19
